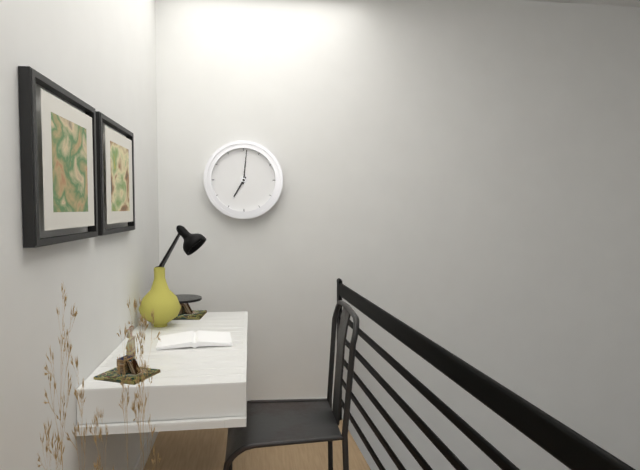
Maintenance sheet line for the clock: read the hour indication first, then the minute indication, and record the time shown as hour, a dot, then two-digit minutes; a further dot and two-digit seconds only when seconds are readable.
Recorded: 7.01
